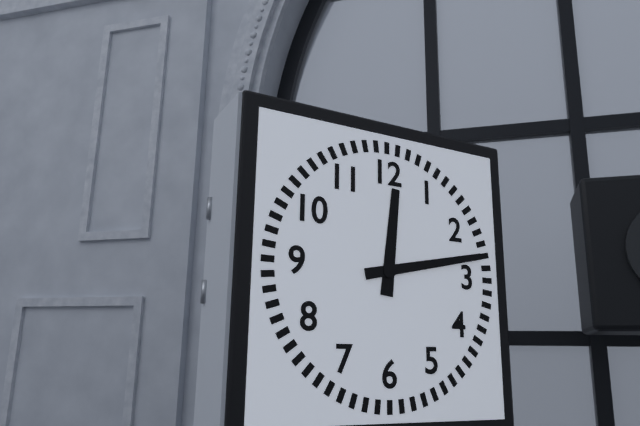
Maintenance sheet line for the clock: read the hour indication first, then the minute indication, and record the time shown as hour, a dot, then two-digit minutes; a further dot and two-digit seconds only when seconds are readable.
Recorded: 12.13
